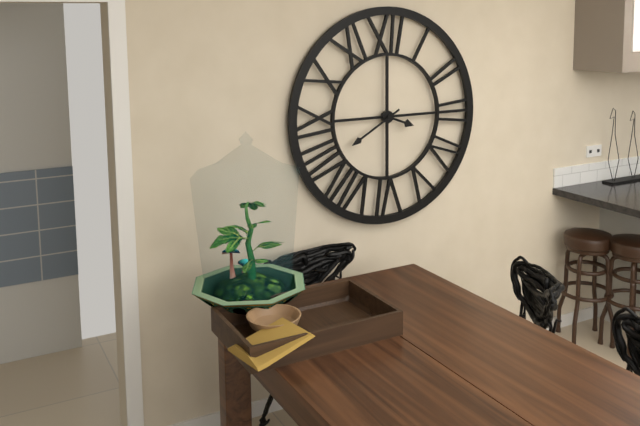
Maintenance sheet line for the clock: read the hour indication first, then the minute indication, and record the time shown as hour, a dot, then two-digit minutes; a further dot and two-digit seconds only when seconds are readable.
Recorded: 3.40
